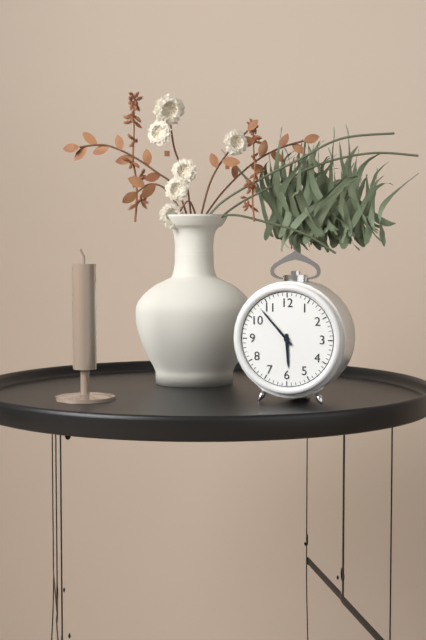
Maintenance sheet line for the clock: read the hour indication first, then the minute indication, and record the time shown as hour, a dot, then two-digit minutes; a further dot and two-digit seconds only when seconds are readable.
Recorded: 5.53
